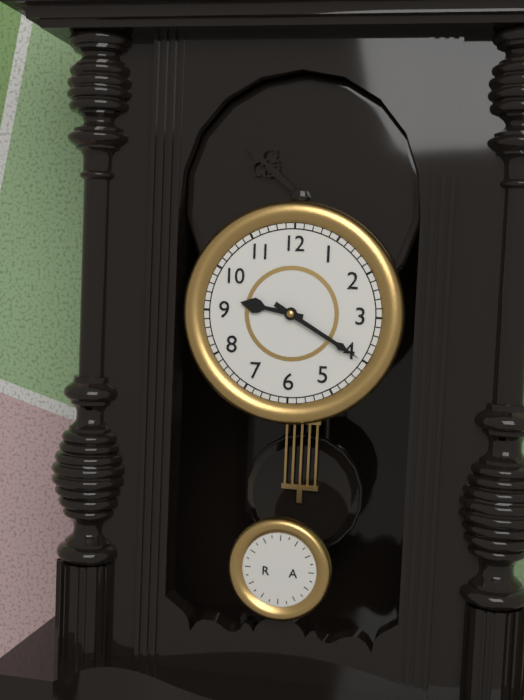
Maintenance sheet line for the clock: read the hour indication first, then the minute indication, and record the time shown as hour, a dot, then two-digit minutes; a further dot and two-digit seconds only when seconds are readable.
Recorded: 9.20
